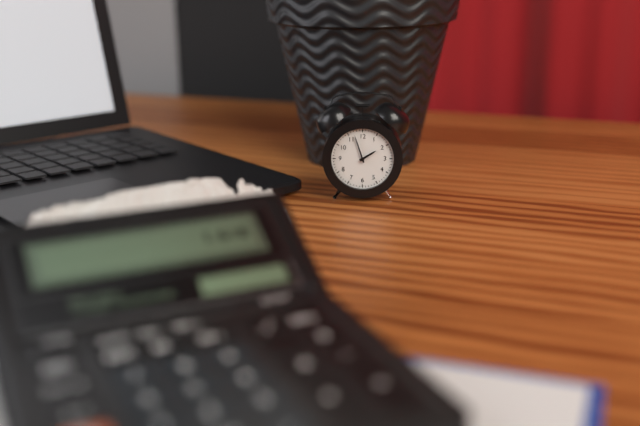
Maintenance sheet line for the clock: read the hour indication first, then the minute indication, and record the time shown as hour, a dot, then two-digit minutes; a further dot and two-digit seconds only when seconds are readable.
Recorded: 1.57
